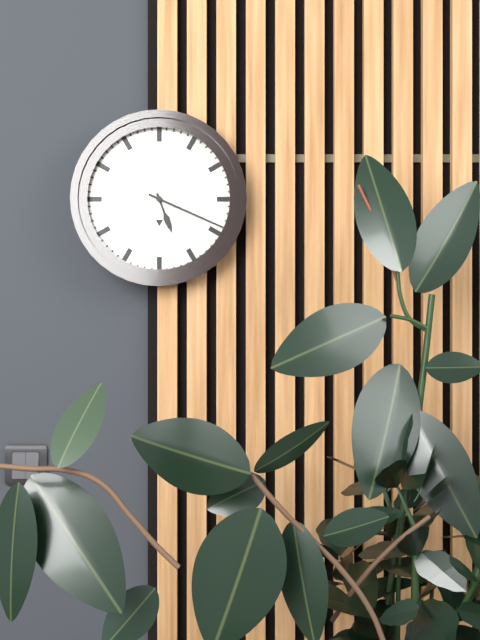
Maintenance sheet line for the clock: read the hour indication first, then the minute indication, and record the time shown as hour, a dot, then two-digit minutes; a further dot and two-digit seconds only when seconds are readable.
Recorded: 5.19
